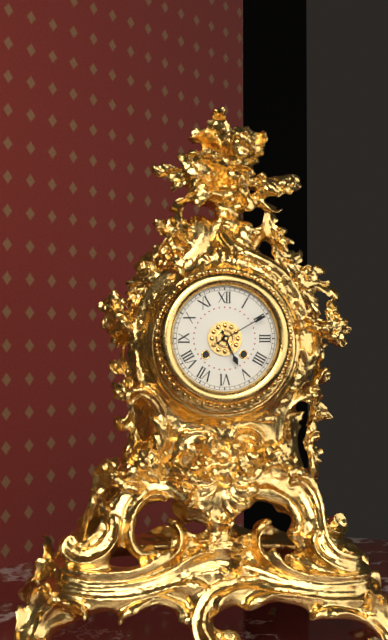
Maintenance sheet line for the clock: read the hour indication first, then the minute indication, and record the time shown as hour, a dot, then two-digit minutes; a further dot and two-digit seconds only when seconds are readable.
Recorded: 5.10
